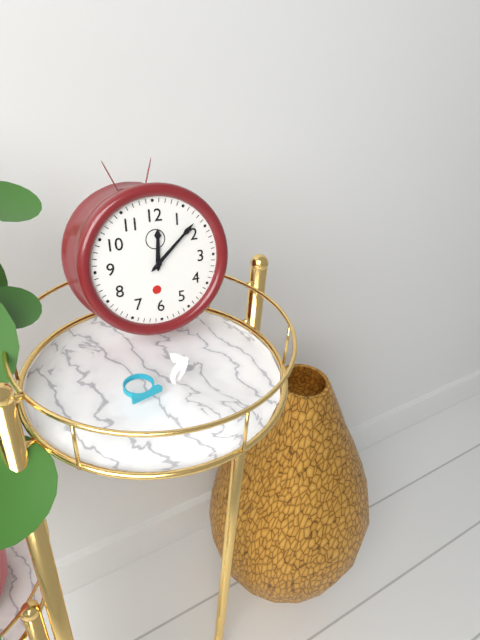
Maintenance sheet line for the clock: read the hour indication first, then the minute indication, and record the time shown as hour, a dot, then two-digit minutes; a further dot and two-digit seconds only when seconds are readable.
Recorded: 12.08
